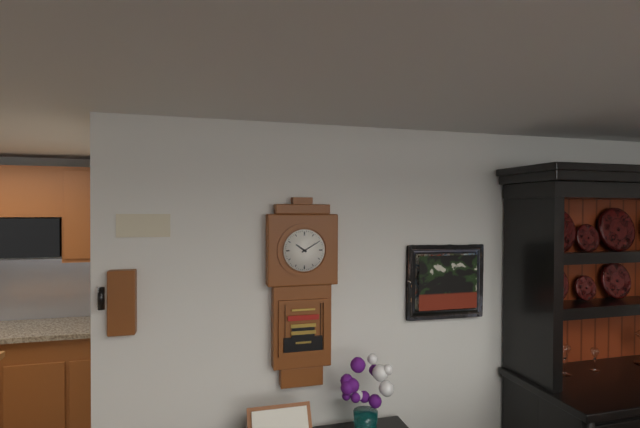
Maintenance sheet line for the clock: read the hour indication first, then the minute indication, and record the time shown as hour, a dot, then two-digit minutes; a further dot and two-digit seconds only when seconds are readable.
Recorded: 10.10
